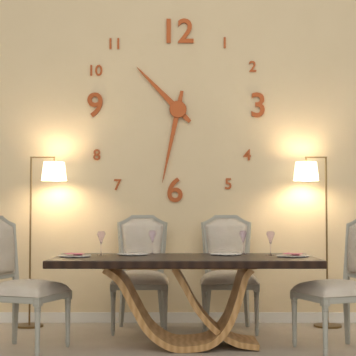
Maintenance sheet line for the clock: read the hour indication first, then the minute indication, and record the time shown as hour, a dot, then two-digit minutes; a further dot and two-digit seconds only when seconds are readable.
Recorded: 10.32
